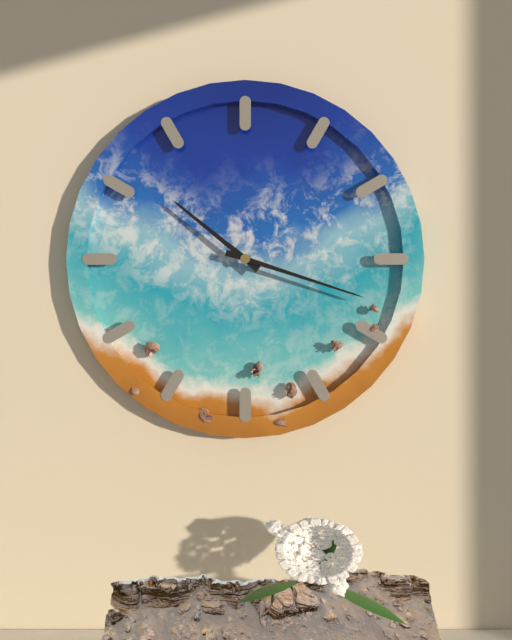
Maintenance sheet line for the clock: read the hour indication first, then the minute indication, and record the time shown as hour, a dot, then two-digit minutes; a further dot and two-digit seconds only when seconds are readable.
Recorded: 10.18
